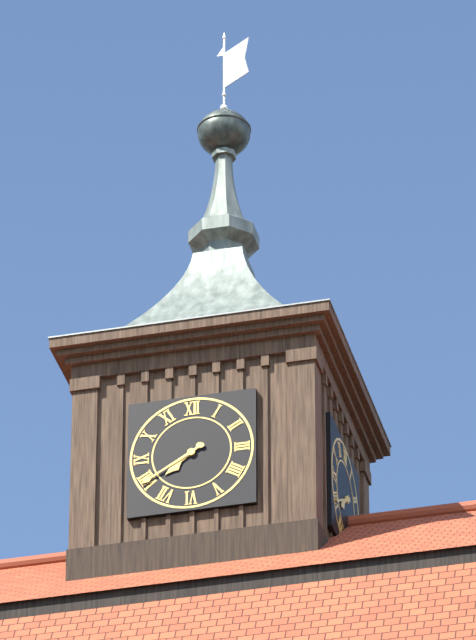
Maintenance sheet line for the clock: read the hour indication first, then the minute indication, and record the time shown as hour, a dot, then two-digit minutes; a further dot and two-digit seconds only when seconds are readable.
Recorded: 7.40
